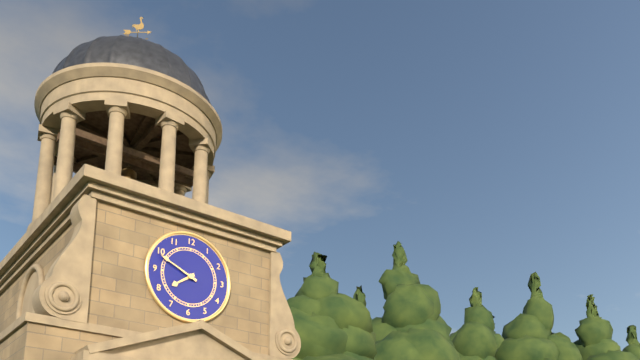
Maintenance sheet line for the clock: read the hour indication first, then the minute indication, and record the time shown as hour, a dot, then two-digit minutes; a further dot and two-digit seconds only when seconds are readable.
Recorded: 7.49
